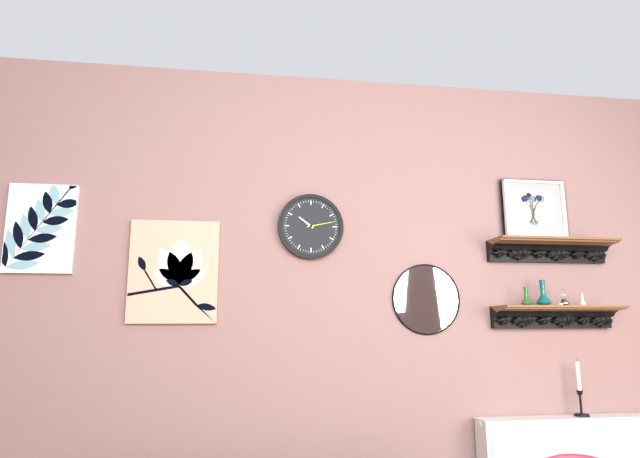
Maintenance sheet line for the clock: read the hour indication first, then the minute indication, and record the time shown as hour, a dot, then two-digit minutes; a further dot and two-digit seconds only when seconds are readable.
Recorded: 10.13
